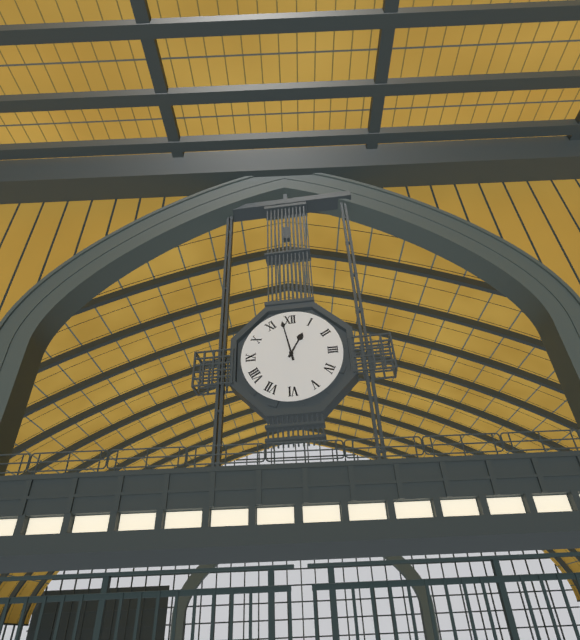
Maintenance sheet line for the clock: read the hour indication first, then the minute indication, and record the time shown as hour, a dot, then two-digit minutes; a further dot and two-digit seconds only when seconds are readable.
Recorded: 12.58
